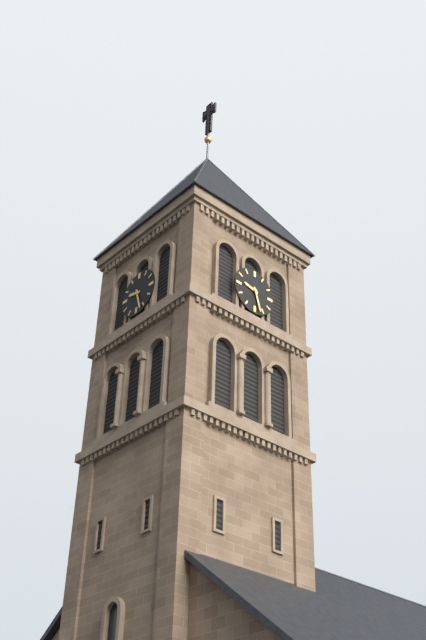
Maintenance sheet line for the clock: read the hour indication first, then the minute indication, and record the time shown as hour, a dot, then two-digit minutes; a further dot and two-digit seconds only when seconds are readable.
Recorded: 9.27
